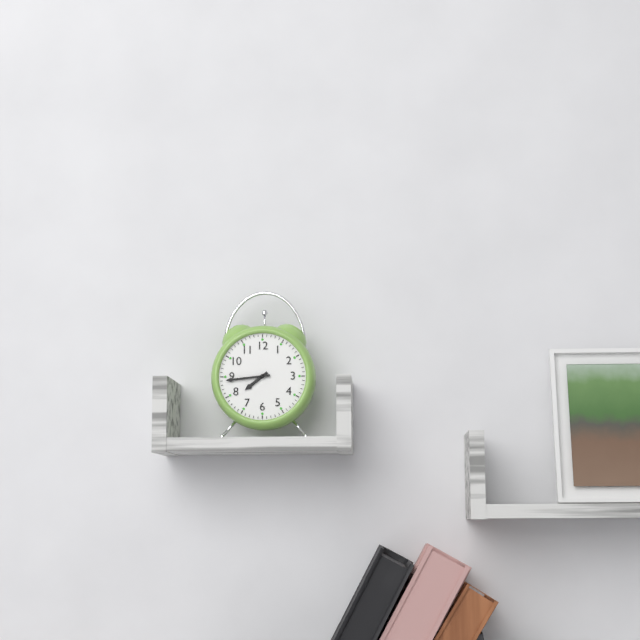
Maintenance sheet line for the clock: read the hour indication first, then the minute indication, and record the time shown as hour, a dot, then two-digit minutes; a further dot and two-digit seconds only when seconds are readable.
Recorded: 7.44
